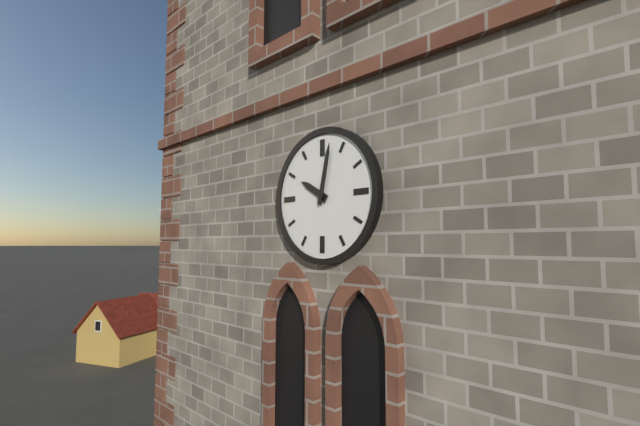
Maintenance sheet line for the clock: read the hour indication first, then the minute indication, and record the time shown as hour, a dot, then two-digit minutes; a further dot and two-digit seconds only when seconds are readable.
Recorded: 10.02
